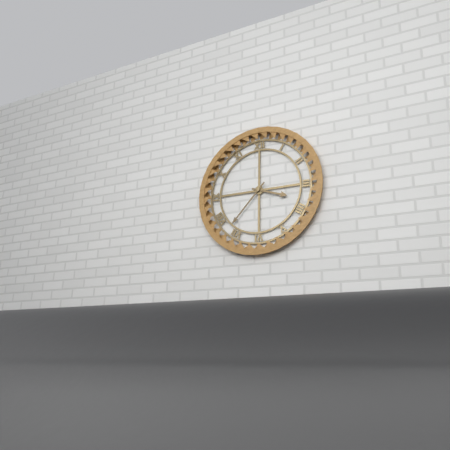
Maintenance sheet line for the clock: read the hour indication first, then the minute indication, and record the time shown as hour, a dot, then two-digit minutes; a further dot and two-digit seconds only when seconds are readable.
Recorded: 3.37
